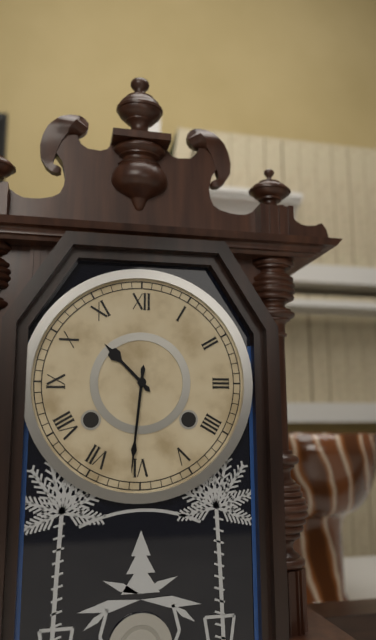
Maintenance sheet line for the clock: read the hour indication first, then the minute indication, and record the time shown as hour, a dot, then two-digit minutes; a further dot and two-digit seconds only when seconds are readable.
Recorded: 10.31
